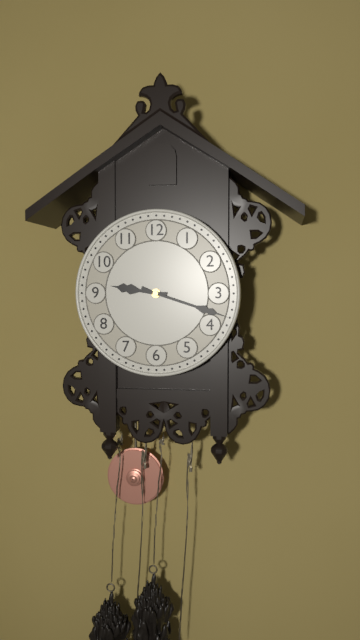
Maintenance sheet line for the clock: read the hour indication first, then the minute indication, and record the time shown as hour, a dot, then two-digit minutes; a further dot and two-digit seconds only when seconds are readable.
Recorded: 9.18
